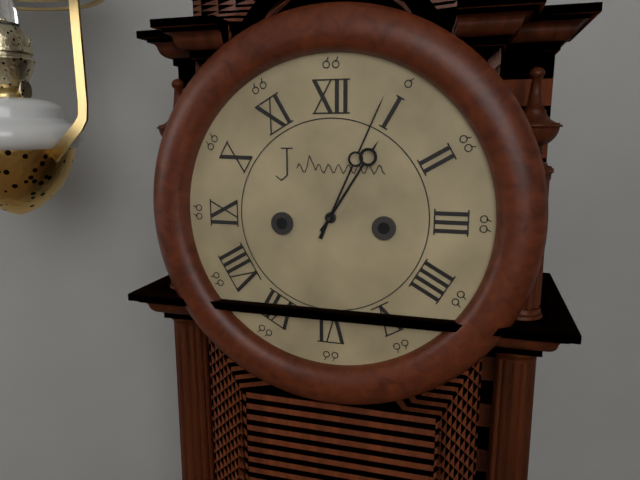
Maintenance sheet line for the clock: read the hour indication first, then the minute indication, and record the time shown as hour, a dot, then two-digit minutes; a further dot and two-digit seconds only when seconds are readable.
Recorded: 1.04
